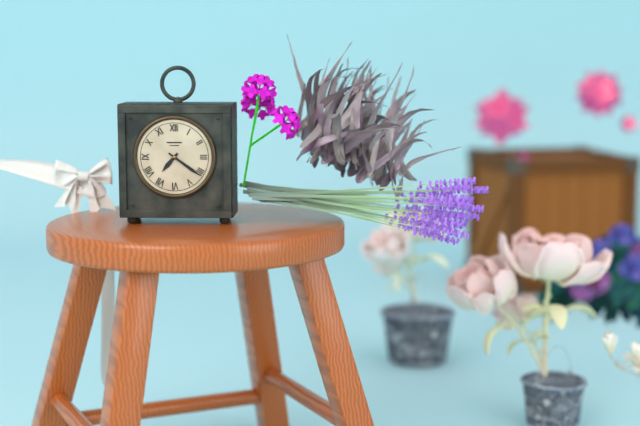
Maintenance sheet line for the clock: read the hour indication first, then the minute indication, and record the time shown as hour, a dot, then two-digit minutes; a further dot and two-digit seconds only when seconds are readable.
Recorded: 7.21
